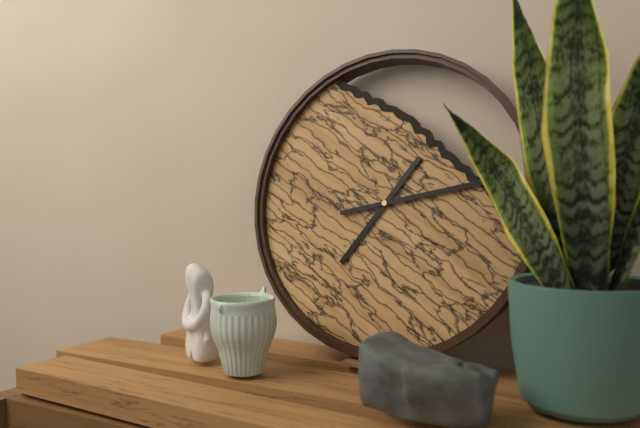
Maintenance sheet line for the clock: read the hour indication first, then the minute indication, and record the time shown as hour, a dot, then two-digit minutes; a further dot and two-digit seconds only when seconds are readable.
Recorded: 7.13
